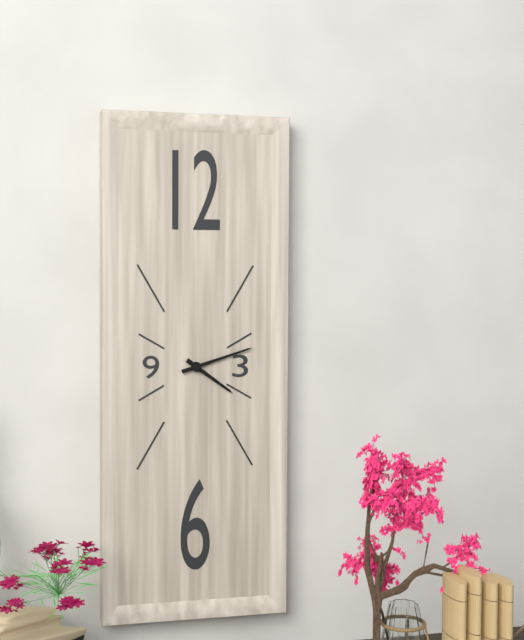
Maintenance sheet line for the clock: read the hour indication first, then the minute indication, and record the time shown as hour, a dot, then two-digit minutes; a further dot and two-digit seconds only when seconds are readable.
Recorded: 4.12
